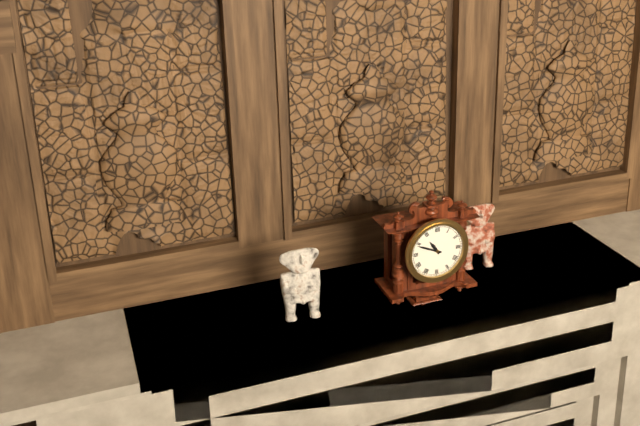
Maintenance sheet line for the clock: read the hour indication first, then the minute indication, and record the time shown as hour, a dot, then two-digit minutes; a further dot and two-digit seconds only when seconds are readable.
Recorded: 10.49
